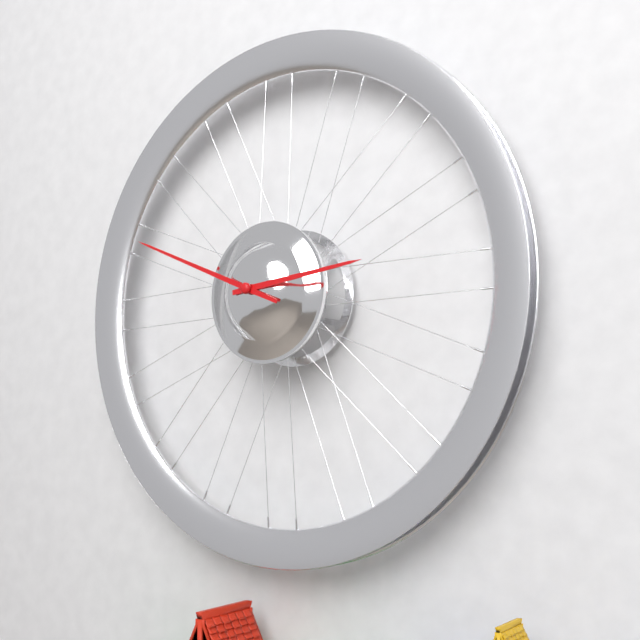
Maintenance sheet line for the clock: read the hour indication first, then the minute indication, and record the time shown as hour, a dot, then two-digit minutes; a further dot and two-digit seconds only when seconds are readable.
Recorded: 2.49
